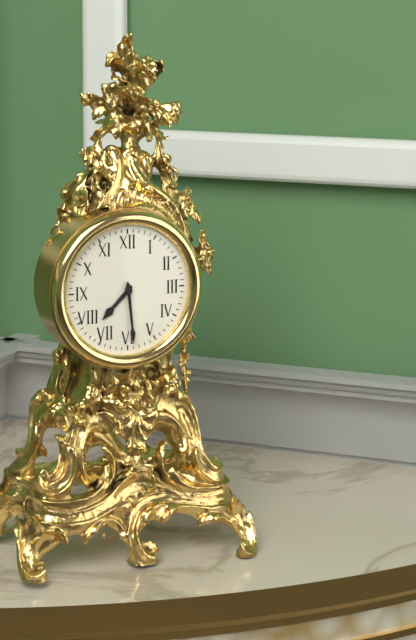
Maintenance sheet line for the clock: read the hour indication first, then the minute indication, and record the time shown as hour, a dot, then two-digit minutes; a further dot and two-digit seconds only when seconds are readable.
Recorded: 7.29
